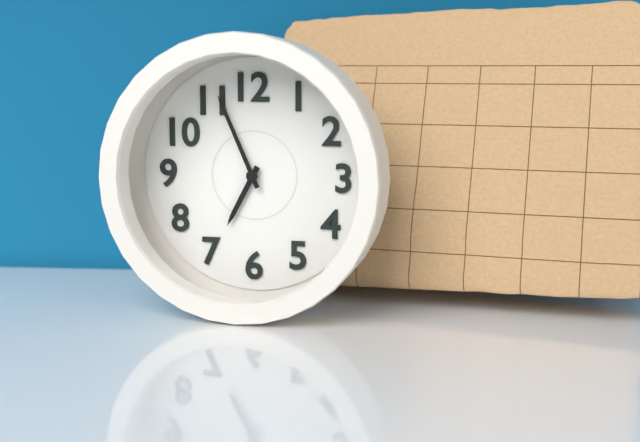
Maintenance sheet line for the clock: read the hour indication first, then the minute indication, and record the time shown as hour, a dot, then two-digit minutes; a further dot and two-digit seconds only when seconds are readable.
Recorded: 6.56
